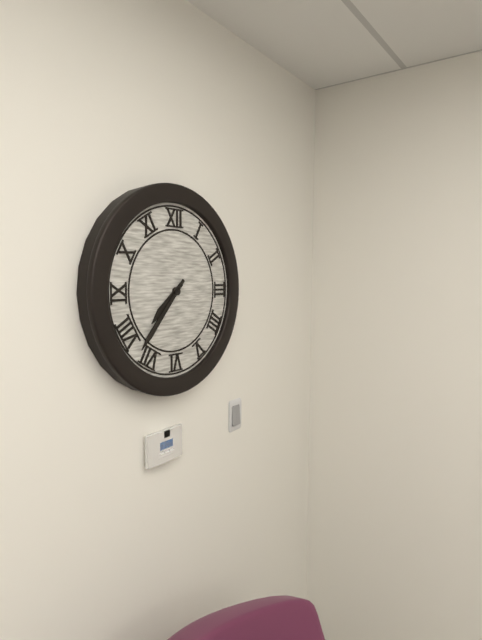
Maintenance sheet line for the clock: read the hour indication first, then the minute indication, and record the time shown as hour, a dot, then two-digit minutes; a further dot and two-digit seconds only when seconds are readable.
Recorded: 7.37
